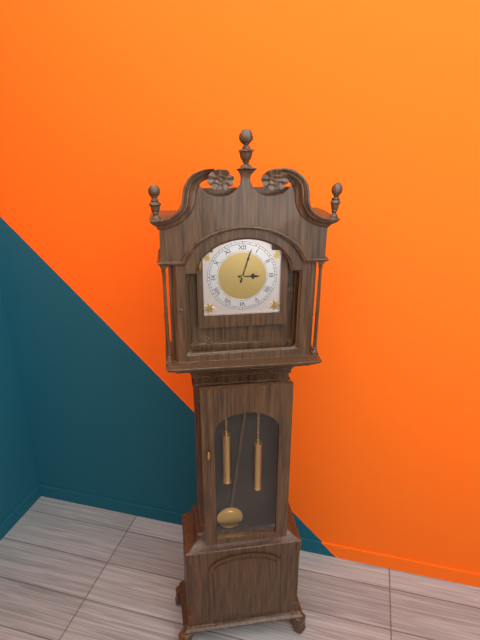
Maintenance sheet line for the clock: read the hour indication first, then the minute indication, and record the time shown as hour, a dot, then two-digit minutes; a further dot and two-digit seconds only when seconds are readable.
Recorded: 3.03
